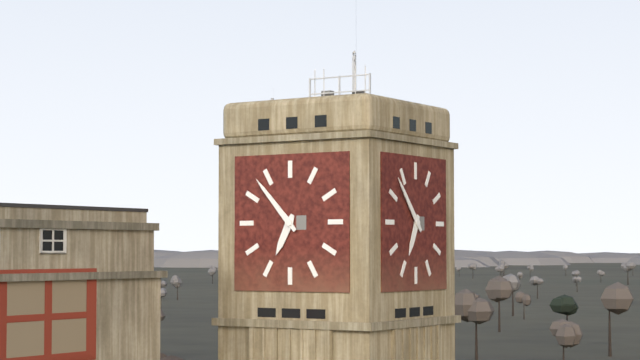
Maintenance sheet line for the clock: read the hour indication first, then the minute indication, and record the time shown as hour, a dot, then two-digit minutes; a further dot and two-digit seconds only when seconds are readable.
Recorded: 6.53
